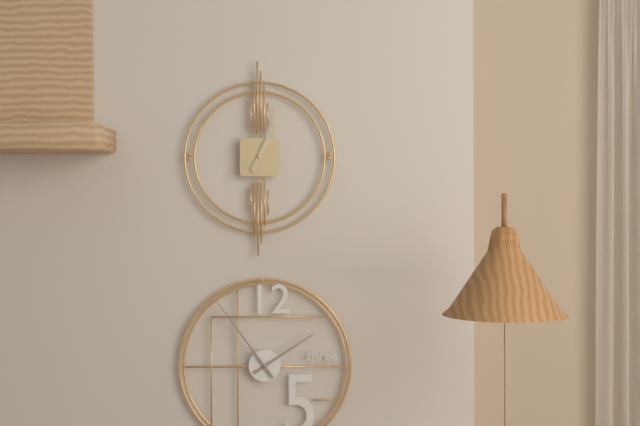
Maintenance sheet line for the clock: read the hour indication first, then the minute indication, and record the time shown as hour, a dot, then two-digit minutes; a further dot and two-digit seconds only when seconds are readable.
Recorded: 1.04
